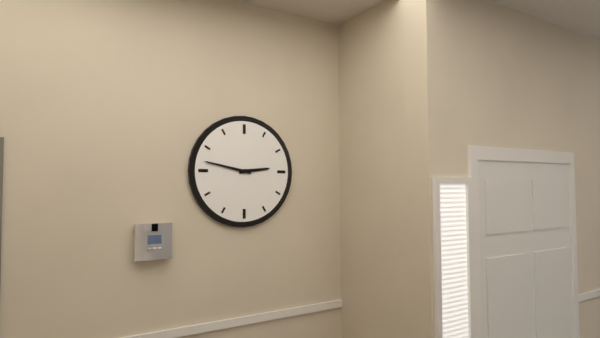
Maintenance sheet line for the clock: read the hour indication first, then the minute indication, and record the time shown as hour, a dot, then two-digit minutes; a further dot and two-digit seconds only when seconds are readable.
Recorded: 2.47
